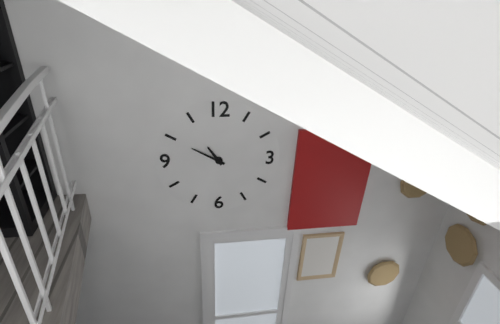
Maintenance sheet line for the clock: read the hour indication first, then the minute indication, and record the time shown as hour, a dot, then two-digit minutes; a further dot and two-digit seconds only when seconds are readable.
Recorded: 10.50
